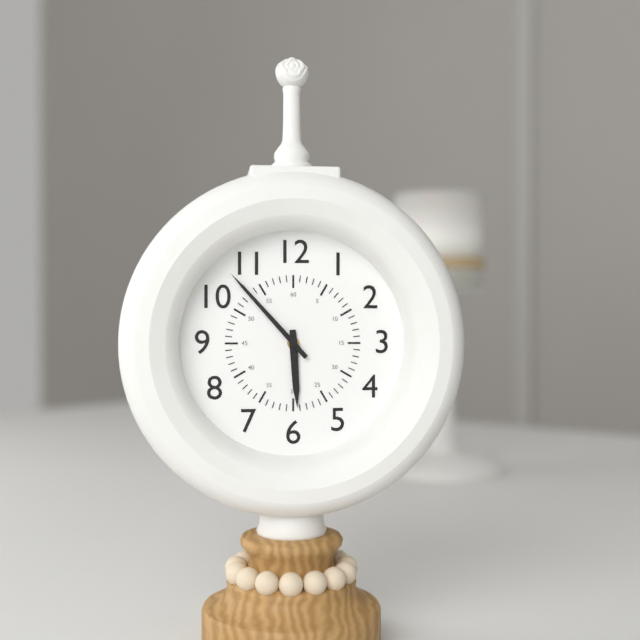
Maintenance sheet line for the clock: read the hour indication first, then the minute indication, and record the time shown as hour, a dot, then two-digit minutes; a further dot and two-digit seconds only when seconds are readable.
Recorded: 5.53
